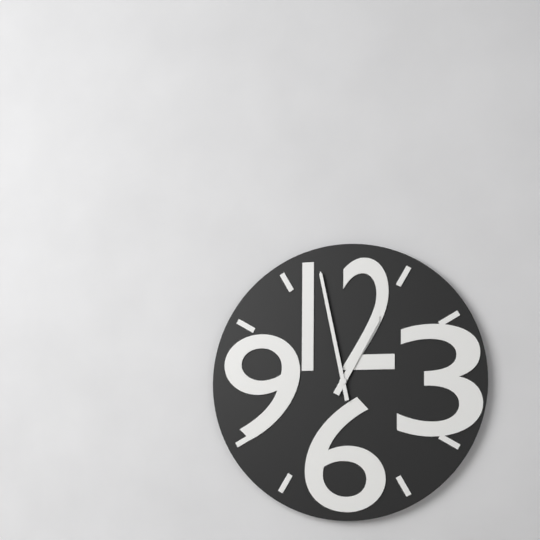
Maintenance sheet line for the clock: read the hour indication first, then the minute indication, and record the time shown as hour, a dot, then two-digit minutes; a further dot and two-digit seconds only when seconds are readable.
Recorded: 12.58
